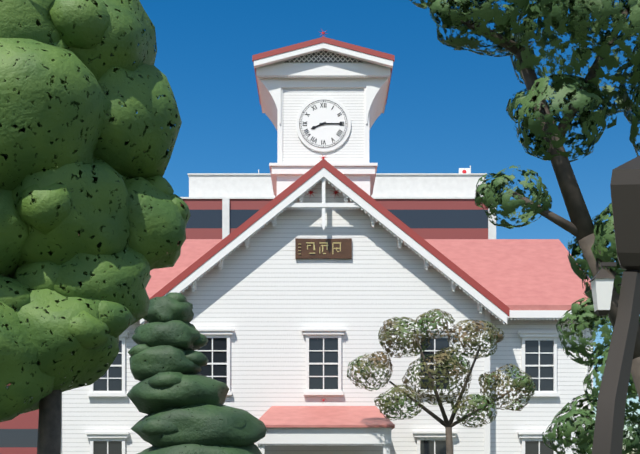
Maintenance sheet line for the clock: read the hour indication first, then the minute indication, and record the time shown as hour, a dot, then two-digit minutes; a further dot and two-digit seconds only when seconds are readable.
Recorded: 8.15
